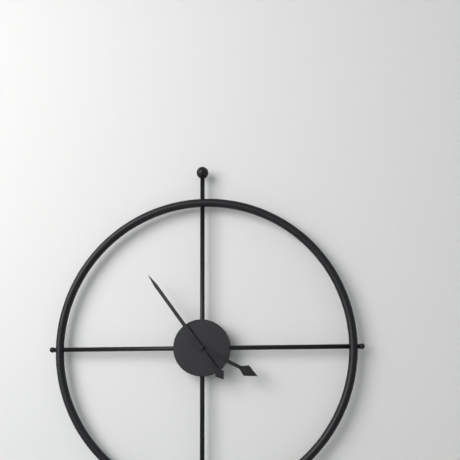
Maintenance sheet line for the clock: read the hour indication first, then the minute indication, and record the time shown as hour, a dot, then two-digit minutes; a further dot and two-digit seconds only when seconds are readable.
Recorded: 3.54
